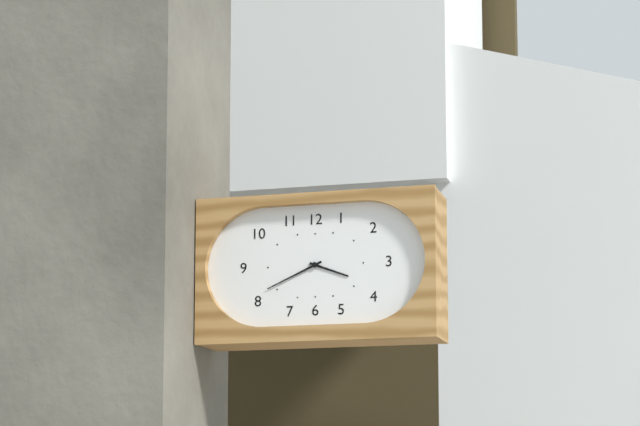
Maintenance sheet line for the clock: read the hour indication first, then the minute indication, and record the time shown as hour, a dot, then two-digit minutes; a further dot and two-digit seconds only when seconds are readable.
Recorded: 3.41
